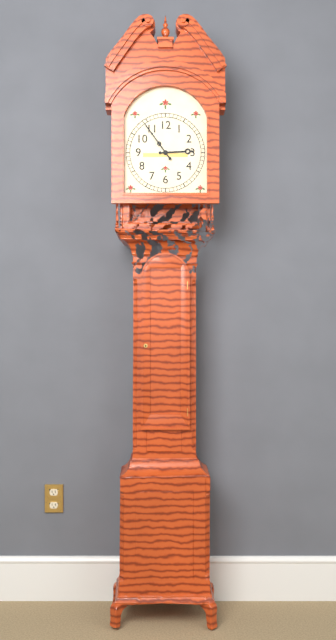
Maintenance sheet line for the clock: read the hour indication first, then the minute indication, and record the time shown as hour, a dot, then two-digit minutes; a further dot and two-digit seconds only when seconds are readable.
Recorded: 2.54
